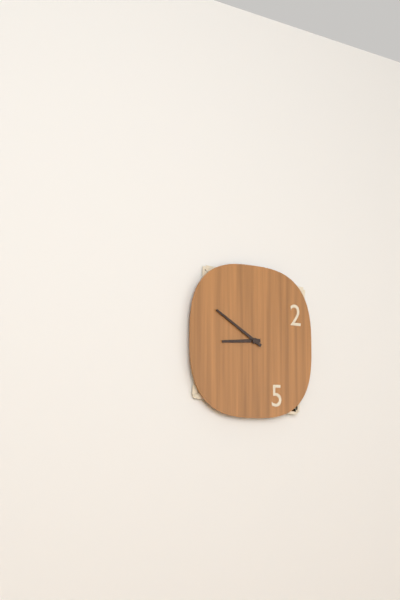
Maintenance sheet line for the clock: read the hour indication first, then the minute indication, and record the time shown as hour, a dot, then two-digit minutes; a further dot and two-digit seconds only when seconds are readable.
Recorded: 8.50
